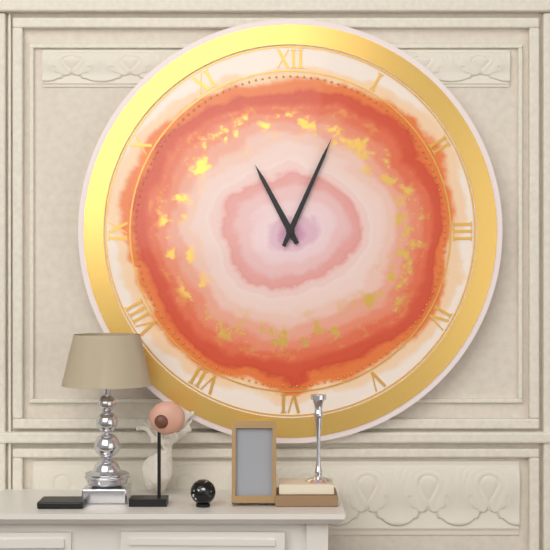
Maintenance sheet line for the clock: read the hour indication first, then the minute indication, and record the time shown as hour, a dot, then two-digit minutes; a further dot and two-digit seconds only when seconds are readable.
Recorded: 11.04
